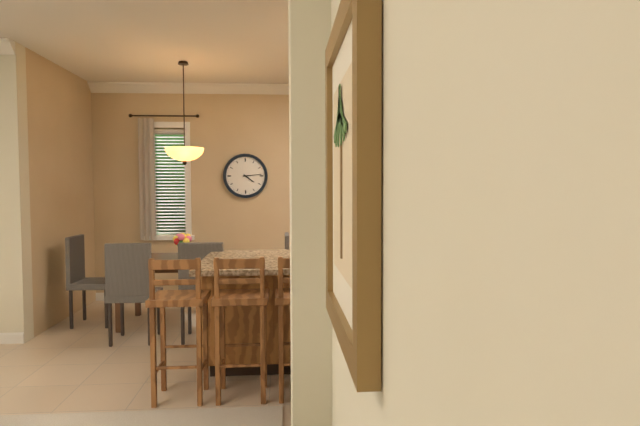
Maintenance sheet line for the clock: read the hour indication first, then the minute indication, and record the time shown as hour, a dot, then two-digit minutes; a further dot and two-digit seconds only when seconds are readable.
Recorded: 4.14
